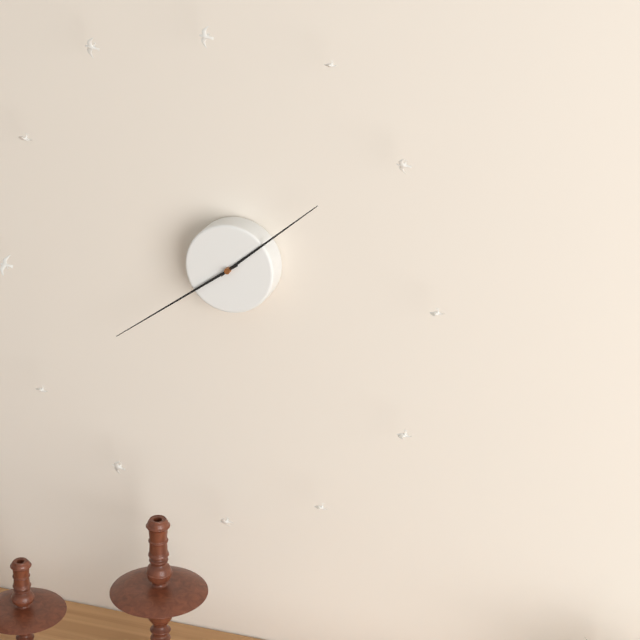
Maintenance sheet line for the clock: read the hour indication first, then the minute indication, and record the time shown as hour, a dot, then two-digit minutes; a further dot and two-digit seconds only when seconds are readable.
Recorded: 1.39
